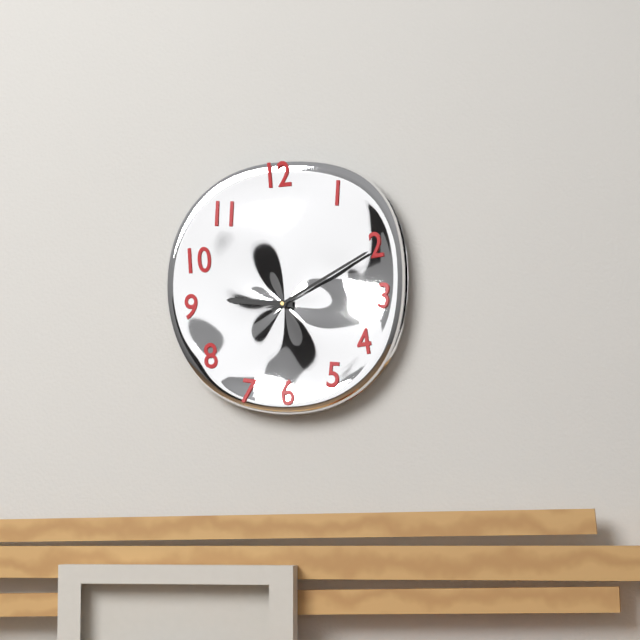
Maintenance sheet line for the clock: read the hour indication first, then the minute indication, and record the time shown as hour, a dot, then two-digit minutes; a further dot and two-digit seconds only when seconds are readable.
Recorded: 9.10
